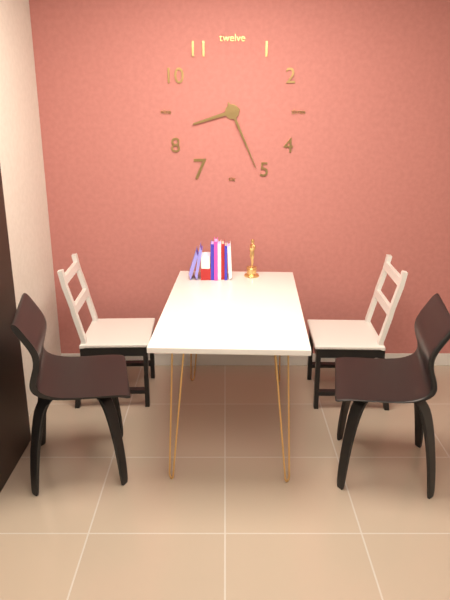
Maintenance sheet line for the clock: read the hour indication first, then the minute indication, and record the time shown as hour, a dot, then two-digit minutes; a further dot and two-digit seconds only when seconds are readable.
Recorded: 8.26
